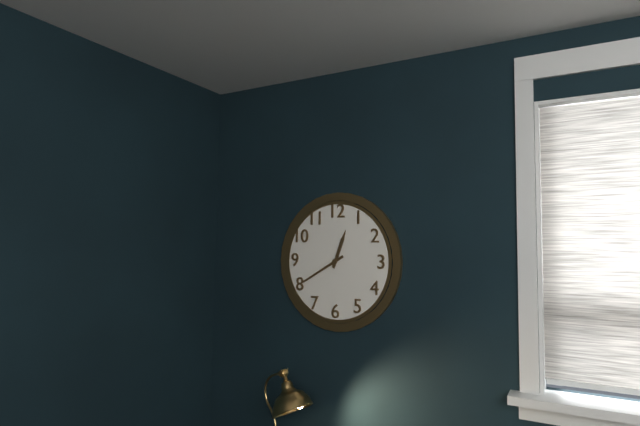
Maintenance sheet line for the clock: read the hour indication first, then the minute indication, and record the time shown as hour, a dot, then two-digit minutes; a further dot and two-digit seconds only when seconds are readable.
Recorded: 12.40
